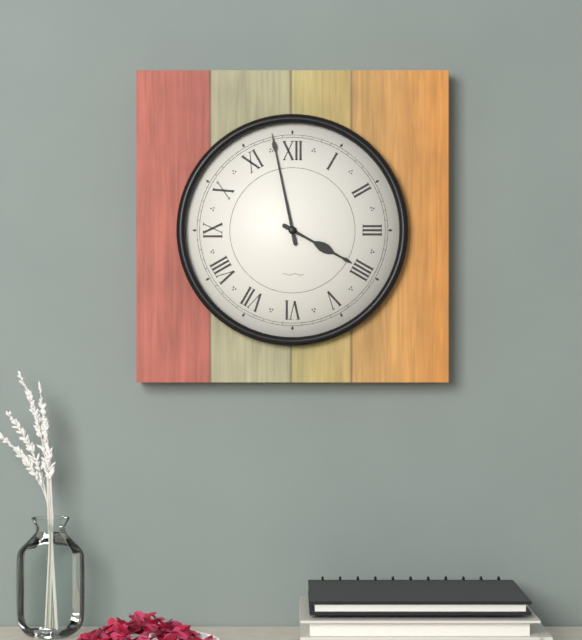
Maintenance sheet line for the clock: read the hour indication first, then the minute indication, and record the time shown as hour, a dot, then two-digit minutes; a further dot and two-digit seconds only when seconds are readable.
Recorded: 3.58
